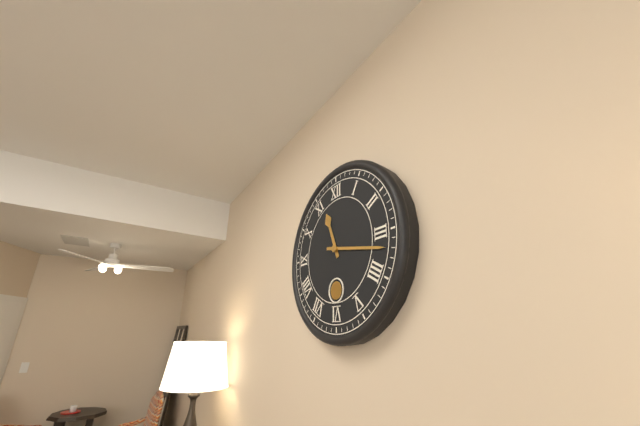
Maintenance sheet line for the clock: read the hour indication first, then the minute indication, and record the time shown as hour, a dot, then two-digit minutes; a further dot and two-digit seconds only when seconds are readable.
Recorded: 11.17
